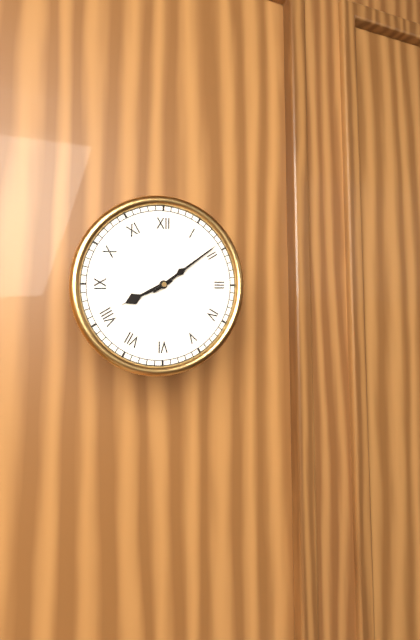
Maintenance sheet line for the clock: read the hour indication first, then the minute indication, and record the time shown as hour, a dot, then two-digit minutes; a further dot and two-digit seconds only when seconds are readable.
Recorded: 8.09
